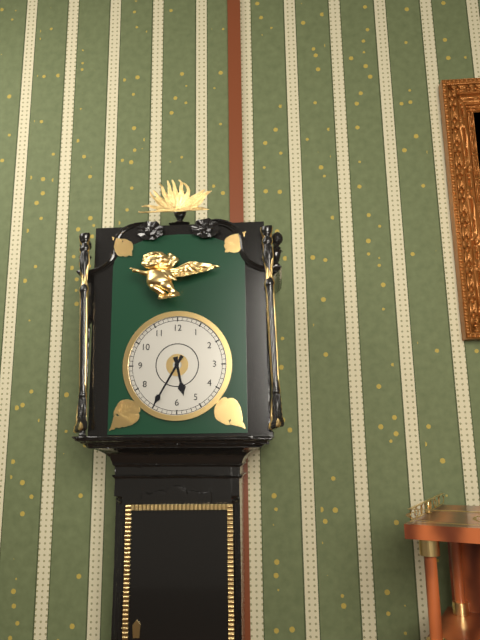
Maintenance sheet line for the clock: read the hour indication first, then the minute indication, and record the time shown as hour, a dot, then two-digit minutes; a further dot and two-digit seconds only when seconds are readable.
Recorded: 5.35
